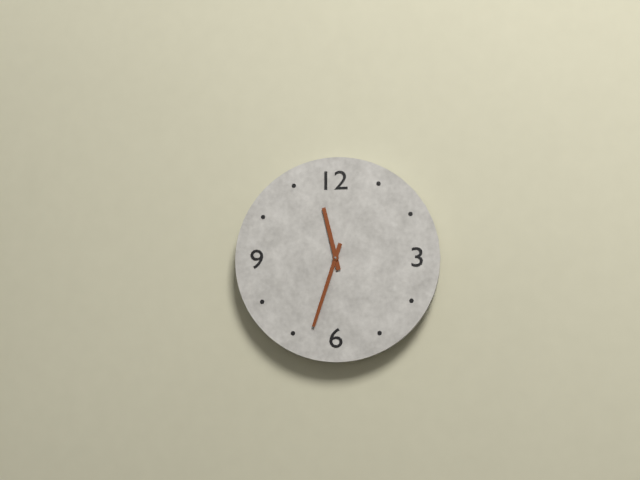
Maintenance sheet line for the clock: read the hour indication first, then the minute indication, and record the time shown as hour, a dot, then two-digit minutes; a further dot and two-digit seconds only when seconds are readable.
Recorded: 11.33
